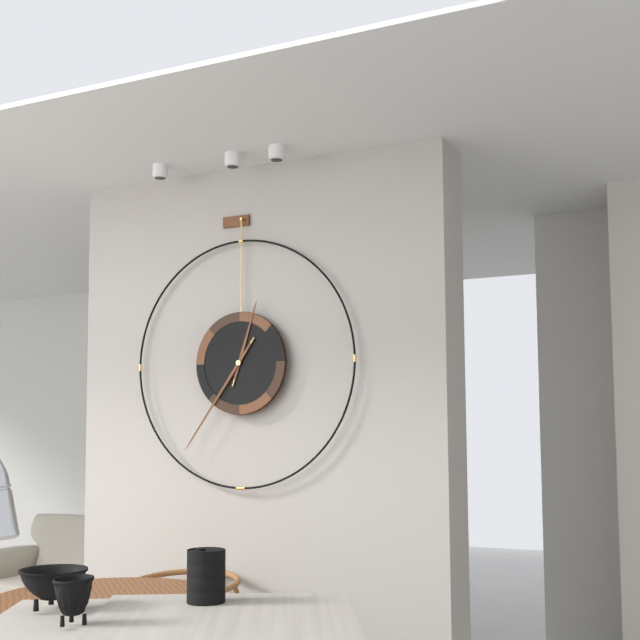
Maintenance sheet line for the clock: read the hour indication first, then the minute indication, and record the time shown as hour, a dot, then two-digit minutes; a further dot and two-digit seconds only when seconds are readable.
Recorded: 12.36
